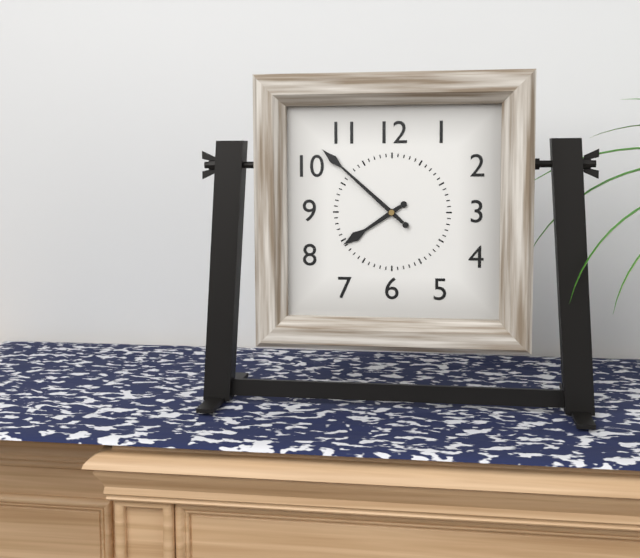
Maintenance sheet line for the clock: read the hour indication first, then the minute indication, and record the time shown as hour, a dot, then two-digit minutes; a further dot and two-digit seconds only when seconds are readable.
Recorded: 7.52
